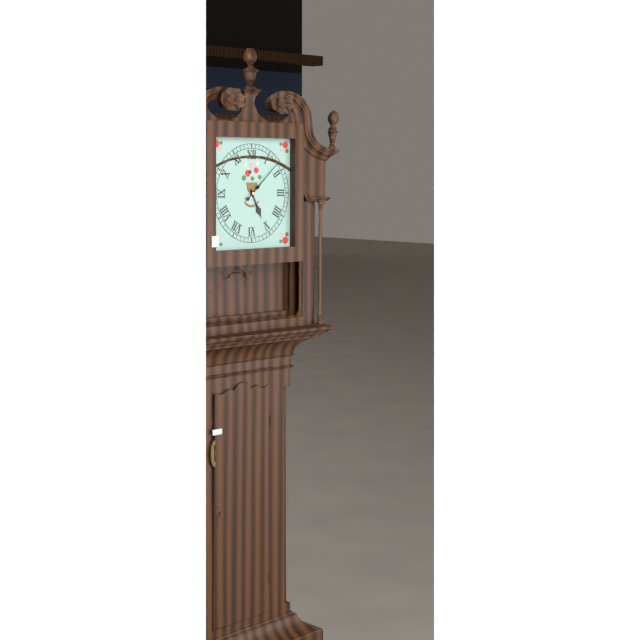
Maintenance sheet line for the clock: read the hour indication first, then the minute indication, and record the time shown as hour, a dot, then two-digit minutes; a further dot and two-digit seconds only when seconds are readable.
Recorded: 5.08
